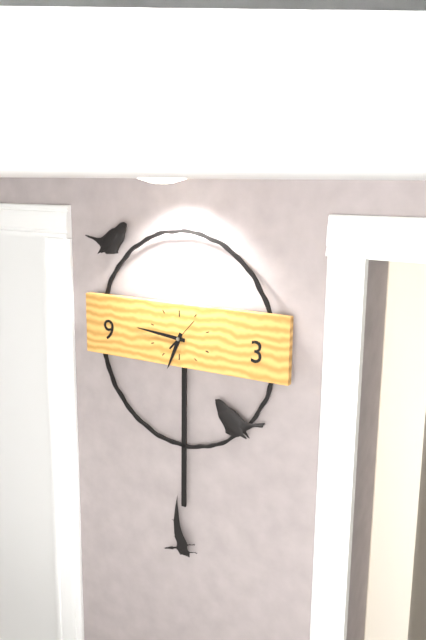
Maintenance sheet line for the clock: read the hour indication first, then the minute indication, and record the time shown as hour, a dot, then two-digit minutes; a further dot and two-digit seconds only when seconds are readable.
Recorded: 6.46
